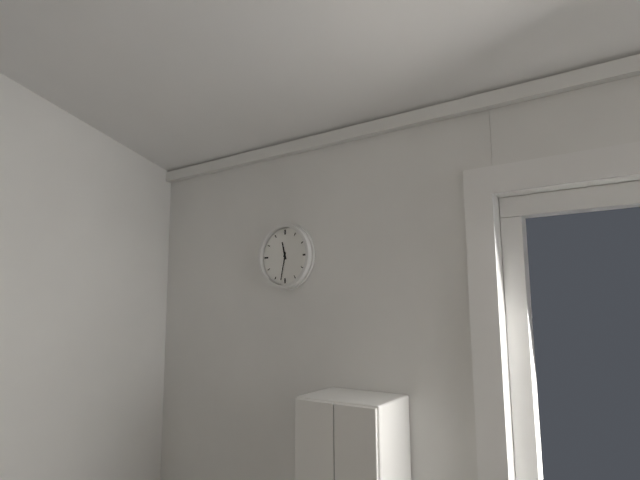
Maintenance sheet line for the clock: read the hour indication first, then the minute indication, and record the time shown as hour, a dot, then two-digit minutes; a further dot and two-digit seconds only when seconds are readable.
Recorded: 11.32
